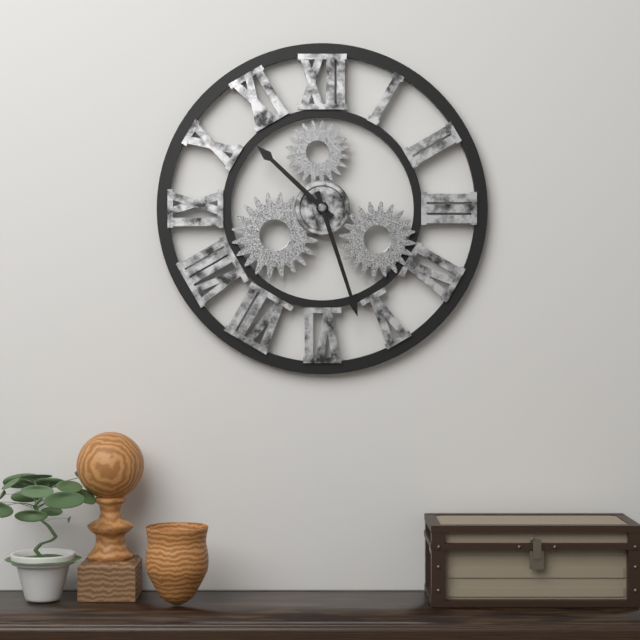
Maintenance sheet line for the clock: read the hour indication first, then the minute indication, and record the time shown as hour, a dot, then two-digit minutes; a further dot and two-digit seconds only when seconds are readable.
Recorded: 10.27
